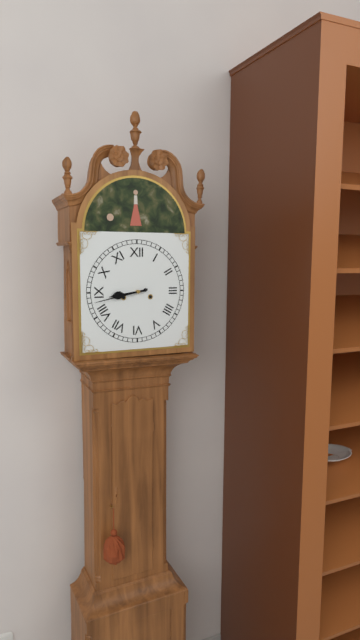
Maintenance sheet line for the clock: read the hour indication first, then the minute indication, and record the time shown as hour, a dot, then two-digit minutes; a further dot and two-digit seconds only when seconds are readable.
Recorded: 8.43
